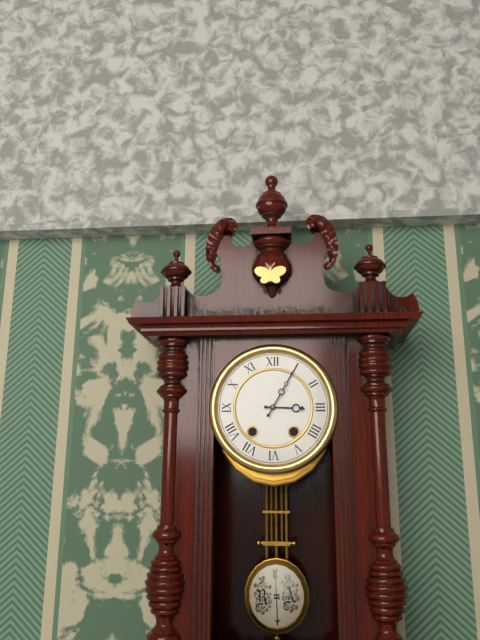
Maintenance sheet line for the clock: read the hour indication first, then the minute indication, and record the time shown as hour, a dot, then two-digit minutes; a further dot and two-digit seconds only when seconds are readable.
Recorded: 3.05
